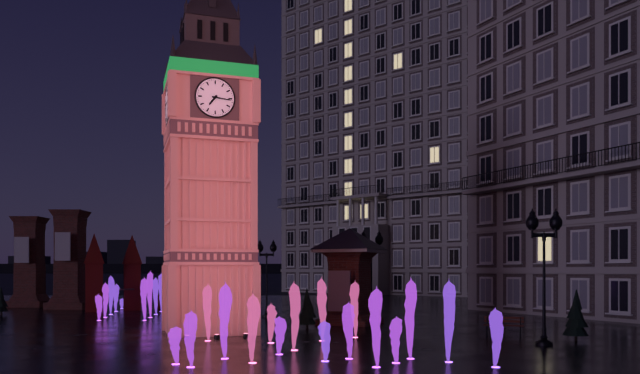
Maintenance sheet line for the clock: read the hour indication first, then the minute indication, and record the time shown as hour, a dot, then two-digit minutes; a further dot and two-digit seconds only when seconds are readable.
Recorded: 7.16
